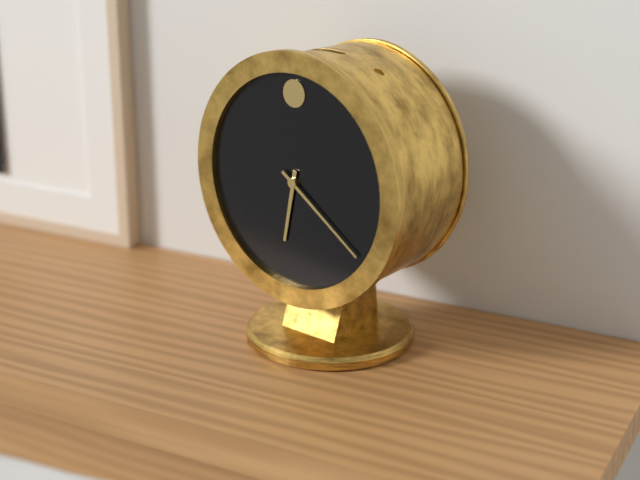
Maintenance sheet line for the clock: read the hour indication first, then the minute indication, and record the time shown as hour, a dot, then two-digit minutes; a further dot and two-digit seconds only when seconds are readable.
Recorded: 6.21
